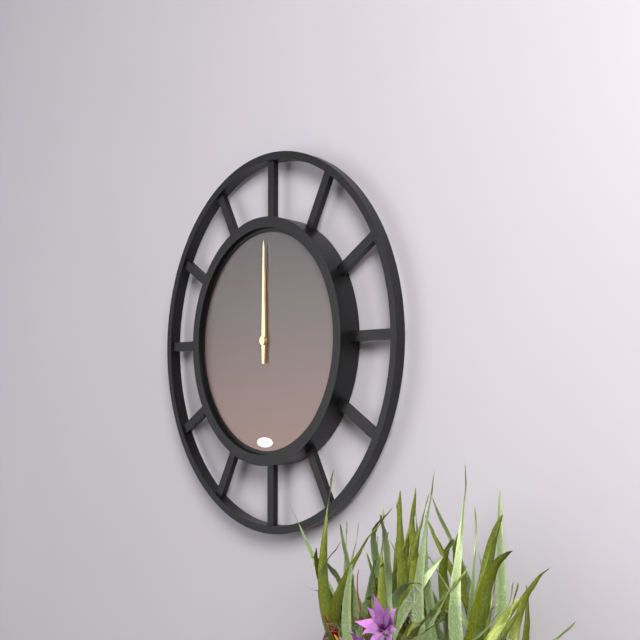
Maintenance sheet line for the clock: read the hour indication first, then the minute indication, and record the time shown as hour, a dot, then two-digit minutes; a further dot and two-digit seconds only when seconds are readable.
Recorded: 12.00
